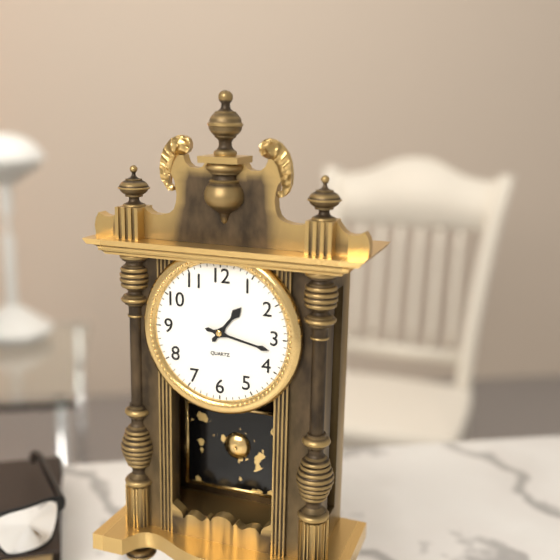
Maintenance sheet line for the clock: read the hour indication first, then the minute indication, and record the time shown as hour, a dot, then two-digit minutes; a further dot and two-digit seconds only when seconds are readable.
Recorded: 1.17
